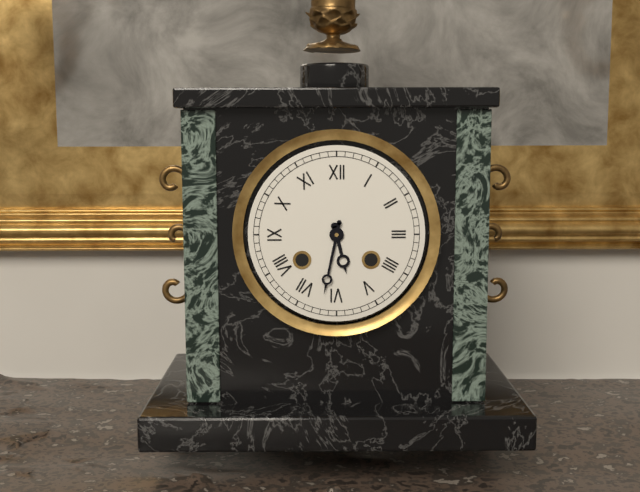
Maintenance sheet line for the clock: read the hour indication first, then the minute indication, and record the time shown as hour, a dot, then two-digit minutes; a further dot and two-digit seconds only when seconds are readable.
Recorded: 5.32
